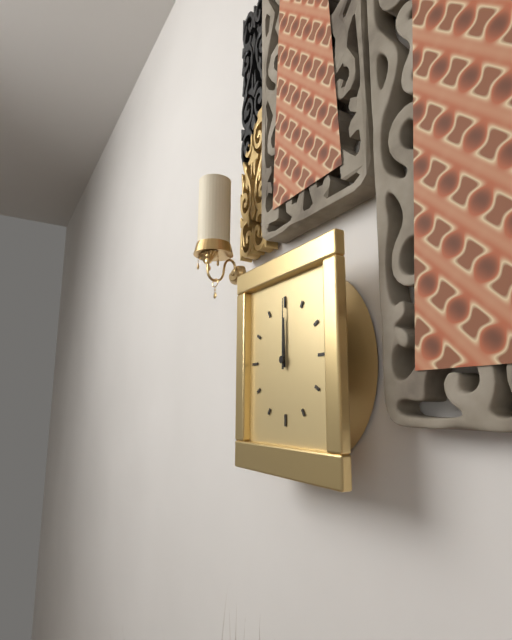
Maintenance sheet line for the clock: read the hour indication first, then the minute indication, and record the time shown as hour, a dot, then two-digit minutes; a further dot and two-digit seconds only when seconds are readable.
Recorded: 12.00
